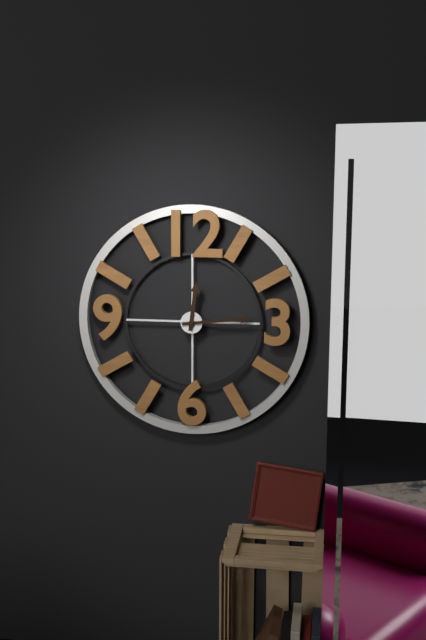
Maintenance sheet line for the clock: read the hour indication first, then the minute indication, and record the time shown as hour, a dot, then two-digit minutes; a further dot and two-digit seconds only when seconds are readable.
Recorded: 12.14
